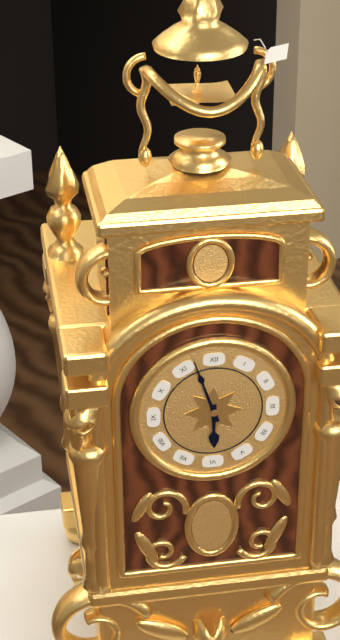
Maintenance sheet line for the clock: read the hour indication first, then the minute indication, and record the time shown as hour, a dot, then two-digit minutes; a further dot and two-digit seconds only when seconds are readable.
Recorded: 5.57
